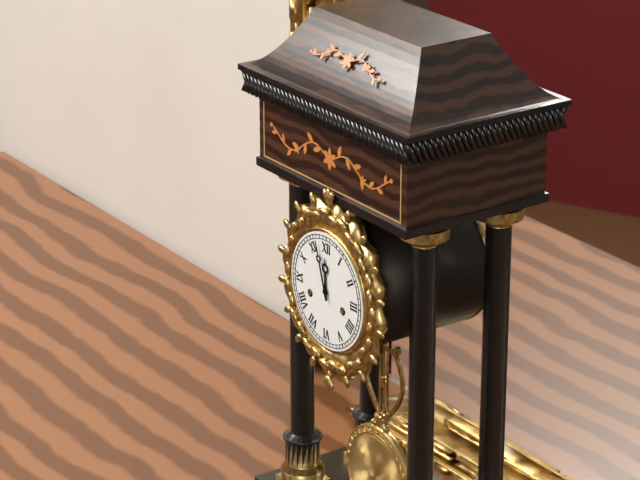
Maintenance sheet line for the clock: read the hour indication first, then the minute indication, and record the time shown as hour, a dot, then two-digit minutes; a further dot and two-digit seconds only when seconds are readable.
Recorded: 11.57
